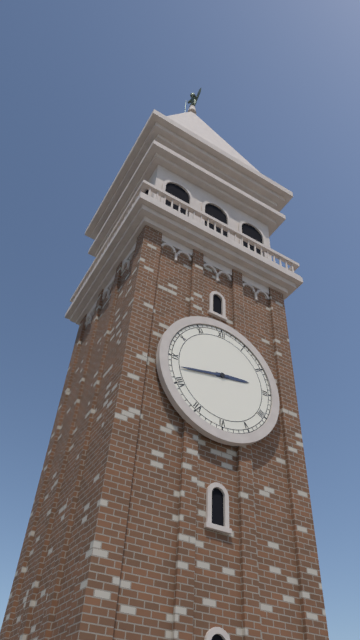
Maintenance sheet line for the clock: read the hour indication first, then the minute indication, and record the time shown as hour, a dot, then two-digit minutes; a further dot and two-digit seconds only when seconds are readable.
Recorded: 2.43
